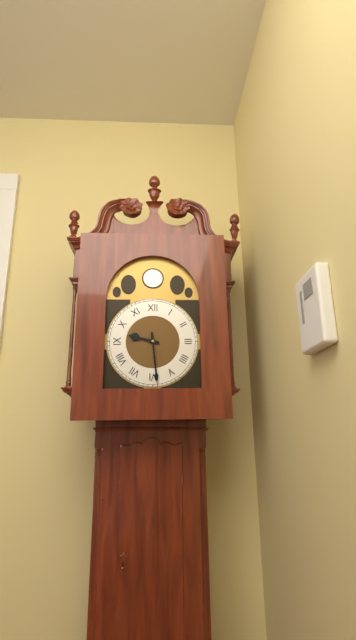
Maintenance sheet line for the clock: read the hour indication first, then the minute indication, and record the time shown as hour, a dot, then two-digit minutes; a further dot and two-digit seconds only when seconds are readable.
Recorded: 9.29
